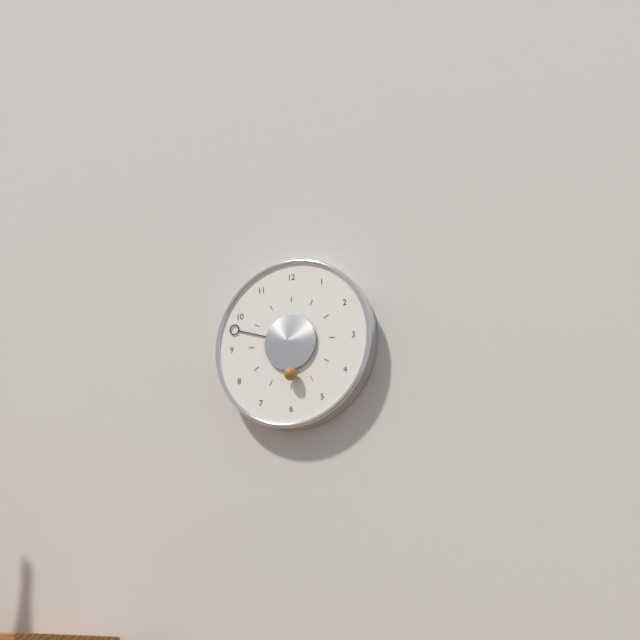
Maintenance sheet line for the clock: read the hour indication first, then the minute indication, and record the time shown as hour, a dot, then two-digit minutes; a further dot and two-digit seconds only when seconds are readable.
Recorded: 5.48
